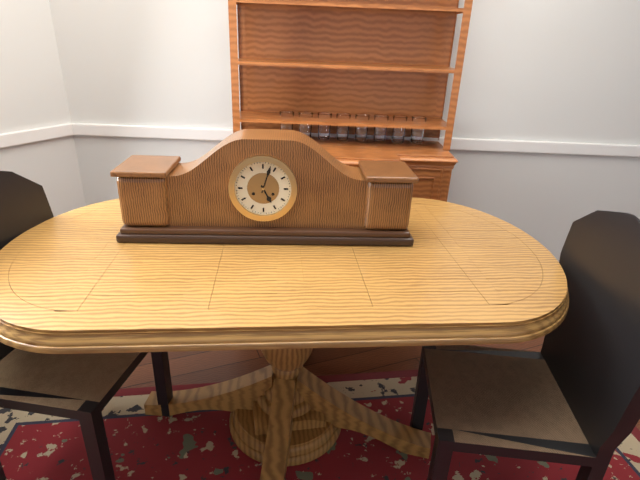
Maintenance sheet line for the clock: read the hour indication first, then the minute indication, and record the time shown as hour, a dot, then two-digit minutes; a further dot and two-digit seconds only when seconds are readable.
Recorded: 5.03
